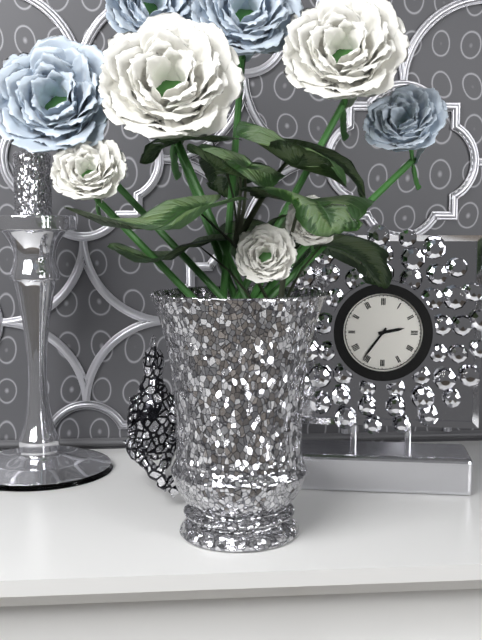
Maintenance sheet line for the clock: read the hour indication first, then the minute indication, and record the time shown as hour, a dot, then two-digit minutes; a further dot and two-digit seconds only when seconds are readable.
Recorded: 2.36
